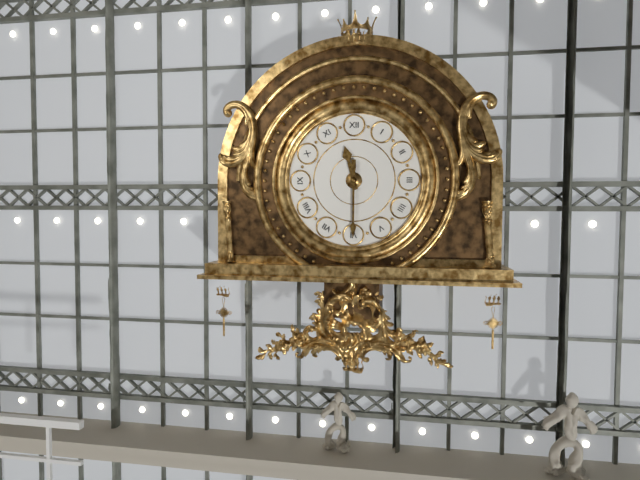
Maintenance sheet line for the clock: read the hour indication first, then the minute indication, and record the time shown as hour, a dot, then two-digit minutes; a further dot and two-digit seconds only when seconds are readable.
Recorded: 11.30
